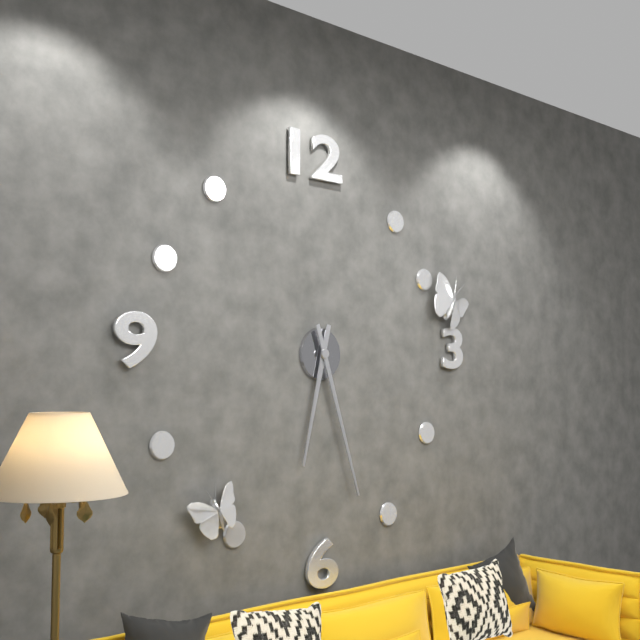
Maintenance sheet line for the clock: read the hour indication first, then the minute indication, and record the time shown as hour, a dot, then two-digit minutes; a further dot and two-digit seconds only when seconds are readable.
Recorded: 6.27
